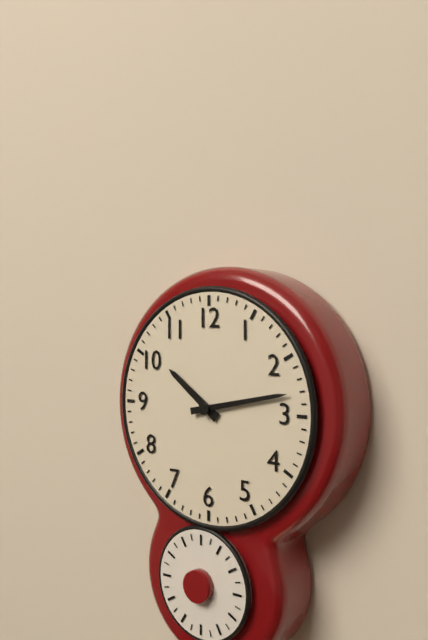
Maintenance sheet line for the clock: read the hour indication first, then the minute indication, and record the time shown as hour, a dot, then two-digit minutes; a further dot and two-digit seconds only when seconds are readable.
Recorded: 10.13
